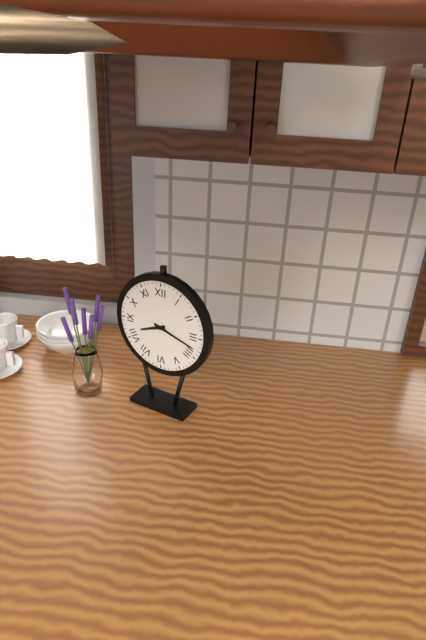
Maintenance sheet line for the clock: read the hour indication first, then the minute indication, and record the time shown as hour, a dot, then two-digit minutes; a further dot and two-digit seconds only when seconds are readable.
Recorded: 8.18
